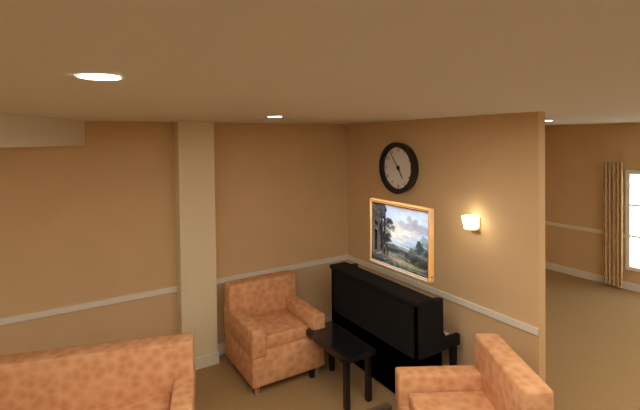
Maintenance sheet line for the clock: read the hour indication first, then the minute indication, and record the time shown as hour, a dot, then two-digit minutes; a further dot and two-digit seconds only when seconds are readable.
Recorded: 4.54
